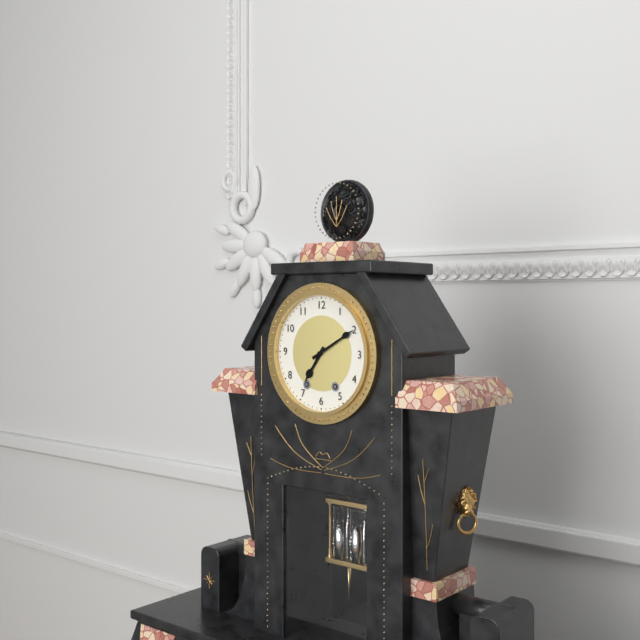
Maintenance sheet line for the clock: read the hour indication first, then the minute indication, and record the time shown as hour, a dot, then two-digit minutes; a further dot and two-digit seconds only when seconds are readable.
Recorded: 7.10
